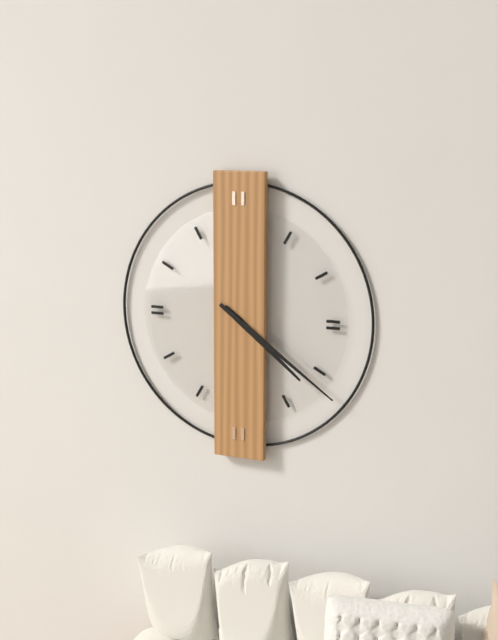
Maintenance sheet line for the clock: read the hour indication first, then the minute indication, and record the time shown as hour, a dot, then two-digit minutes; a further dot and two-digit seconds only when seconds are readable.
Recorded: 4.21
